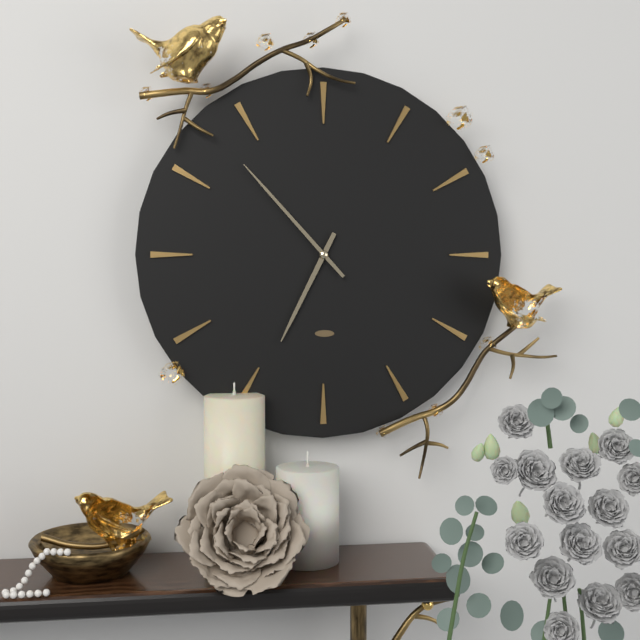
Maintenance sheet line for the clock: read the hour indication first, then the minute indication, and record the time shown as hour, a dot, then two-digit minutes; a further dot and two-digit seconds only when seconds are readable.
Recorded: 6.53
